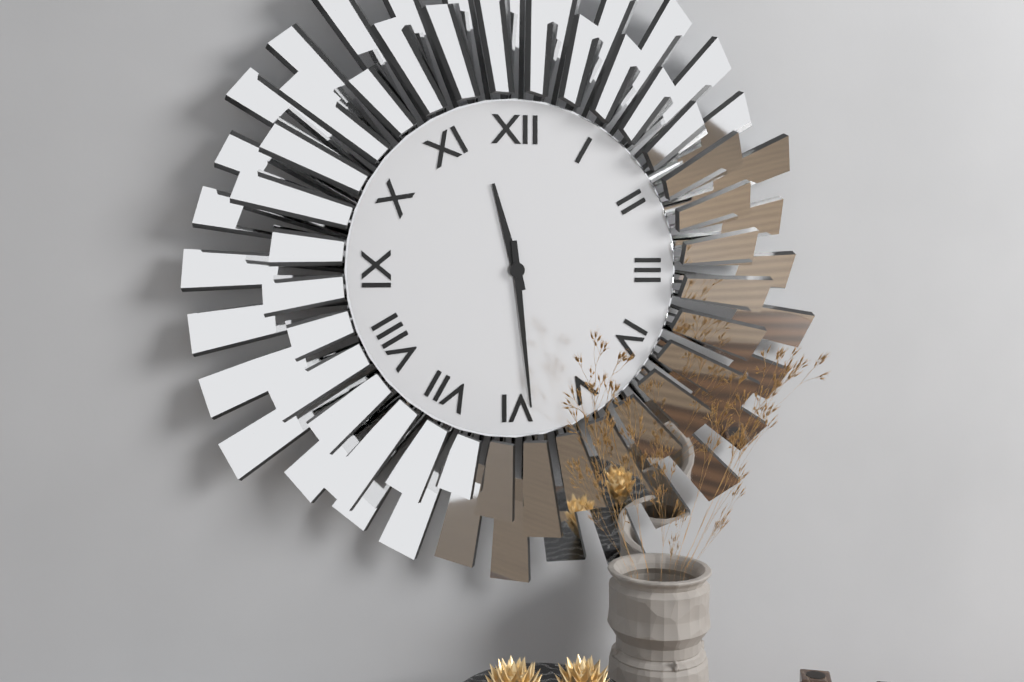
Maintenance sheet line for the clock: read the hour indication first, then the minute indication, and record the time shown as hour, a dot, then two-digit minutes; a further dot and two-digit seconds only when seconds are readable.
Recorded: 11.29
